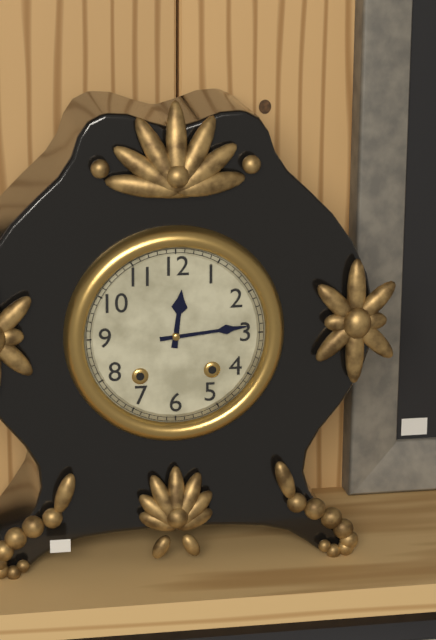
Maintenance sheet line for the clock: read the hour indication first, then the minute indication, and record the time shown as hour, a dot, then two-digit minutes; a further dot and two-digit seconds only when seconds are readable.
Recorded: 12.14
